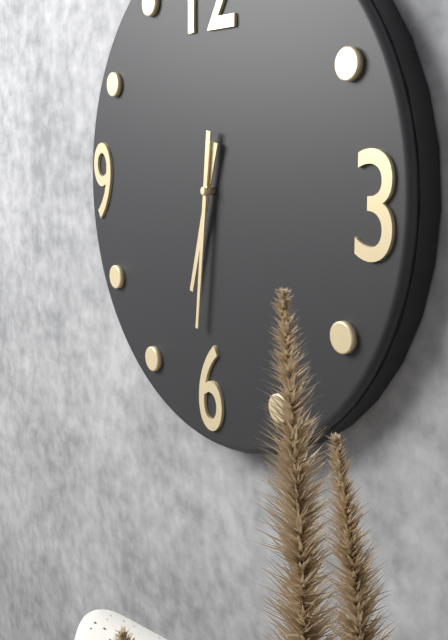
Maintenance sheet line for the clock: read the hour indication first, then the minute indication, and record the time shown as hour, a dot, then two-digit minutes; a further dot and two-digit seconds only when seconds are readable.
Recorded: 6.31
